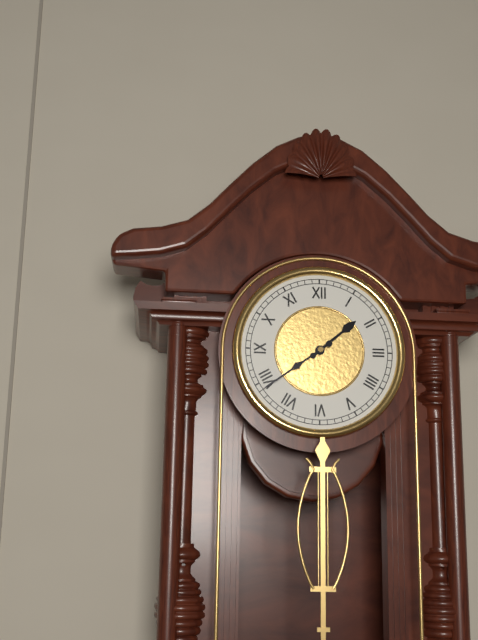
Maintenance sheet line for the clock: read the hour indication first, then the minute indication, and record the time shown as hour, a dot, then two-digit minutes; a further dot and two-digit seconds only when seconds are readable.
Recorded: 1.39
